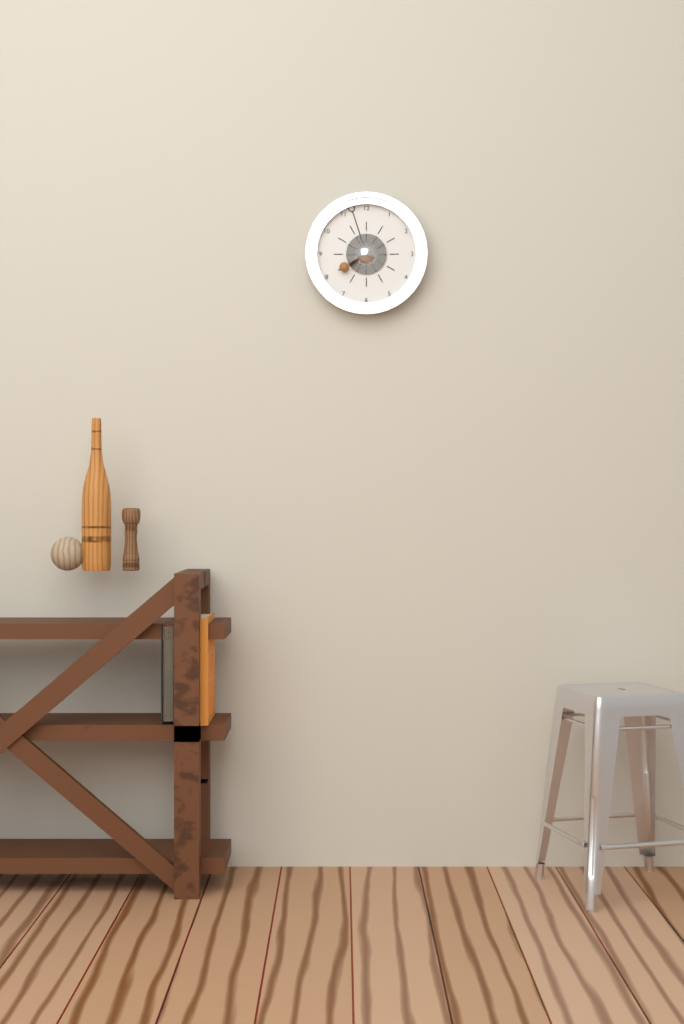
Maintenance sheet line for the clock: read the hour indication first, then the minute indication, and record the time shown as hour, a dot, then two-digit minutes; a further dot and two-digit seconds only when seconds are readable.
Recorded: 7.57
